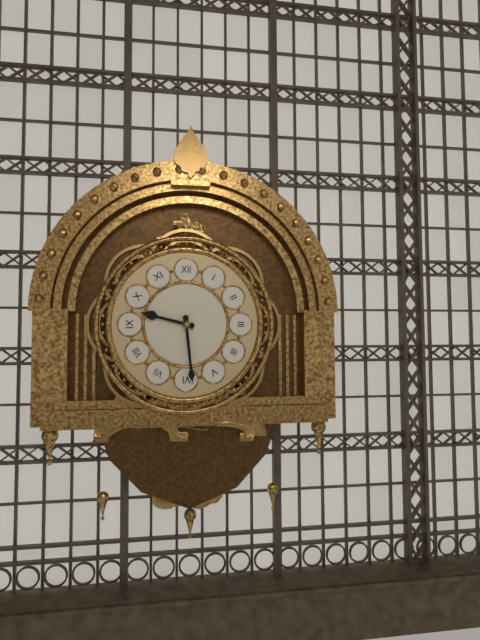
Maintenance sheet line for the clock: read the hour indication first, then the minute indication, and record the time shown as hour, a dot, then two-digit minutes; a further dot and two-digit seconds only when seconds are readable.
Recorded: 9.29
